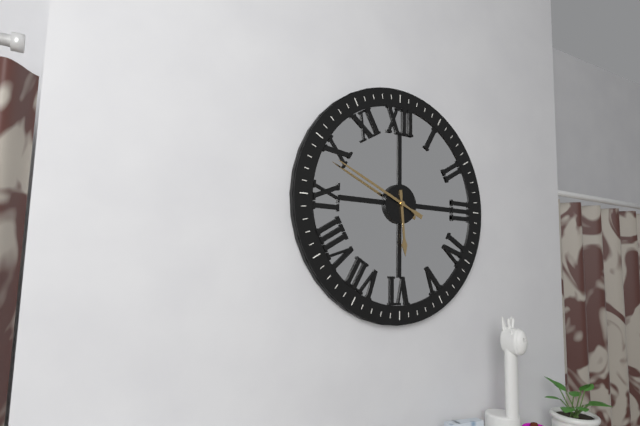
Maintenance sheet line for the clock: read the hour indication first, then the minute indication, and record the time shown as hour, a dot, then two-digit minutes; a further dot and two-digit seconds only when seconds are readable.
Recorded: 5.49
